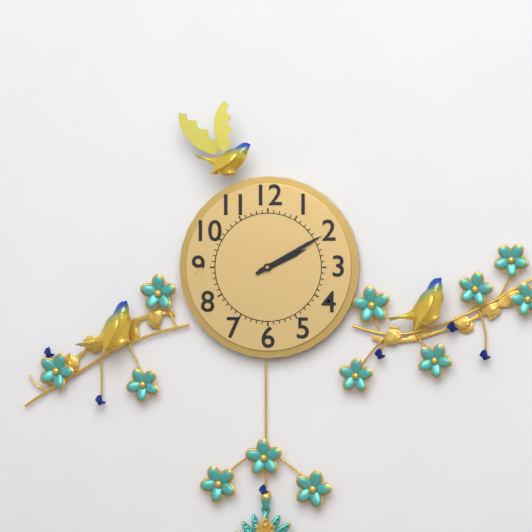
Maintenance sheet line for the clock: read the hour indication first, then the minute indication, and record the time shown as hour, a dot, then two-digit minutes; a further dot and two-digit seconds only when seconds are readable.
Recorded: 2.10
